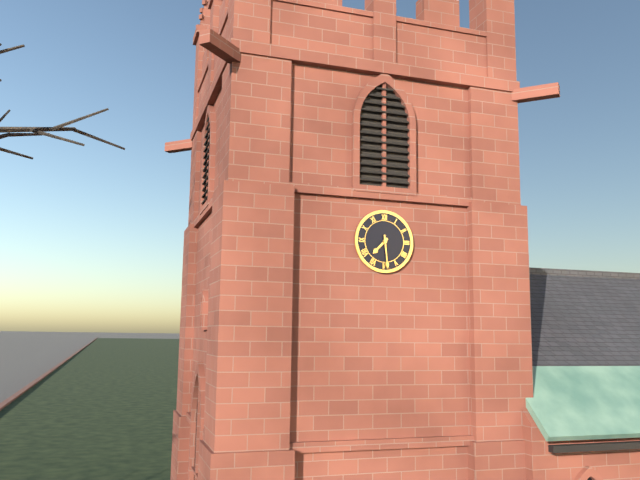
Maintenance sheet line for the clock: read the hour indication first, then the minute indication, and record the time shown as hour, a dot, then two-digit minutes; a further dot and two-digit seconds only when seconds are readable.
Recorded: 7.29
